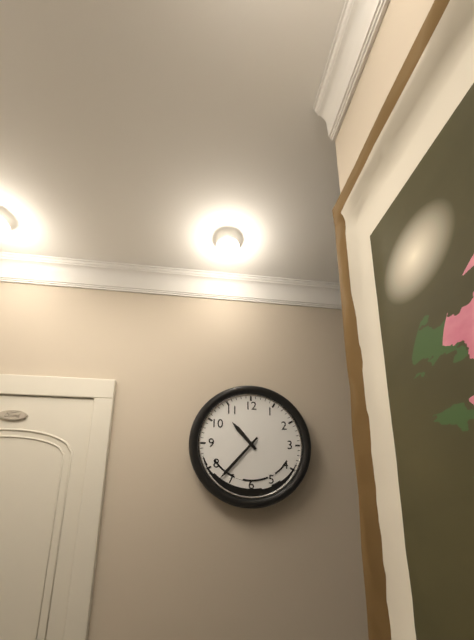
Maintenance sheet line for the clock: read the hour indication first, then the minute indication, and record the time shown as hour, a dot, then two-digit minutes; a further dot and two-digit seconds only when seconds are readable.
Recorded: 10.37
